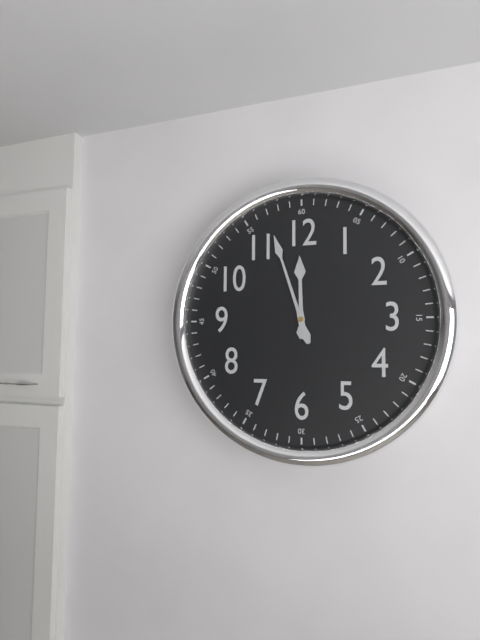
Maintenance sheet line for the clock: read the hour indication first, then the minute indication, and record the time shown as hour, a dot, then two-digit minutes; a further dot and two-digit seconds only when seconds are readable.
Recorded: 11.57
